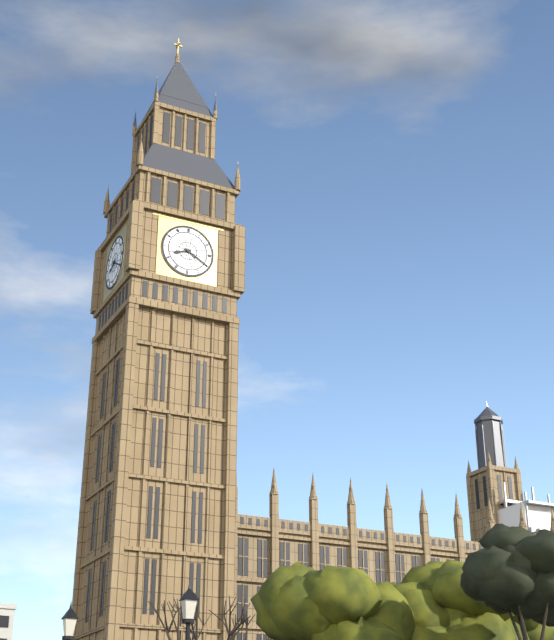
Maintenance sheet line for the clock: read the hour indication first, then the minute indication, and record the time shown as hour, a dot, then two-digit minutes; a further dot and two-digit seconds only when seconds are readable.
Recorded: 8.20
